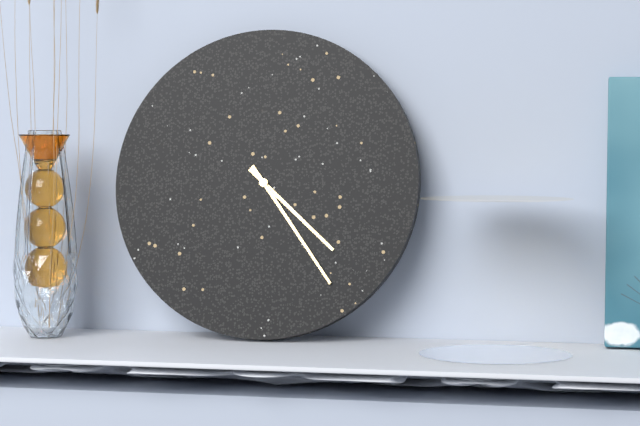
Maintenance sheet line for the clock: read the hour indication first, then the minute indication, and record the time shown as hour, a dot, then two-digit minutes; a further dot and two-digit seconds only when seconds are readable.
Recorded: 4.24
